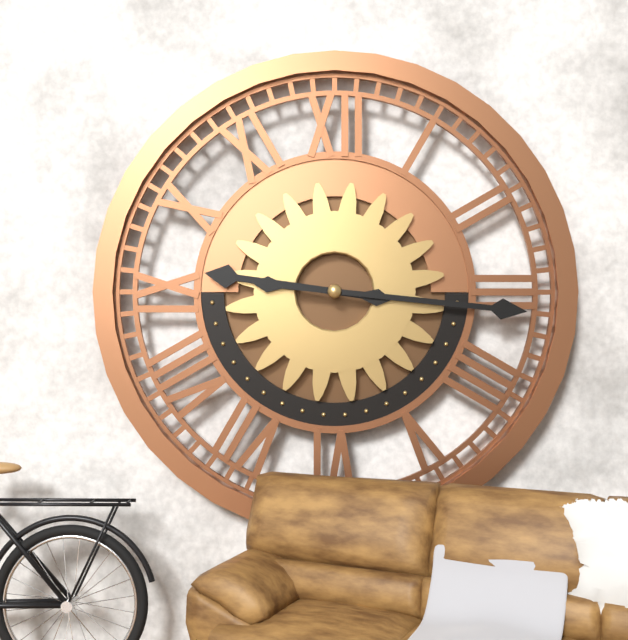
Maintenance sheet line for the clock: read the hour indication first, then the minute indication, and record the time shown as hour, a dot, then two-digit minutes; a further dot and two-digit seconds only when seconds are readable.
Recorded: 9.16
